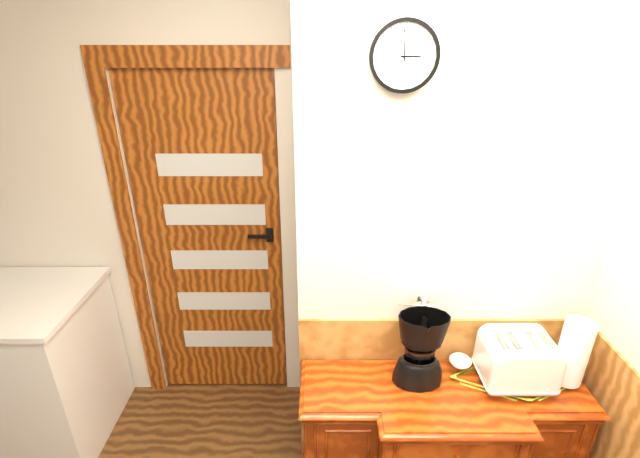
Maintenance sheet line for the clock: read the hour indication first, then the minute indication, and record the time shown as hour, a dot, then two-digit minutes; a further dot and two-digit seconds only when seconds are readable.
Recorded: 2.59
